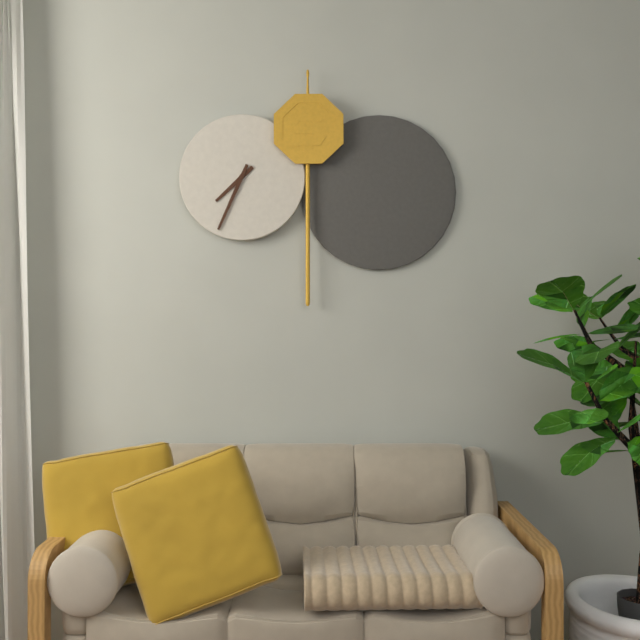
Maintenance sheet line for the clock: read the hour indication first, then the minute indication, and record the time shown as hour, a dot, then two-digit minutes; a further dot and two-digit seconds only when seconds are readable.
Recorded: 7.34
